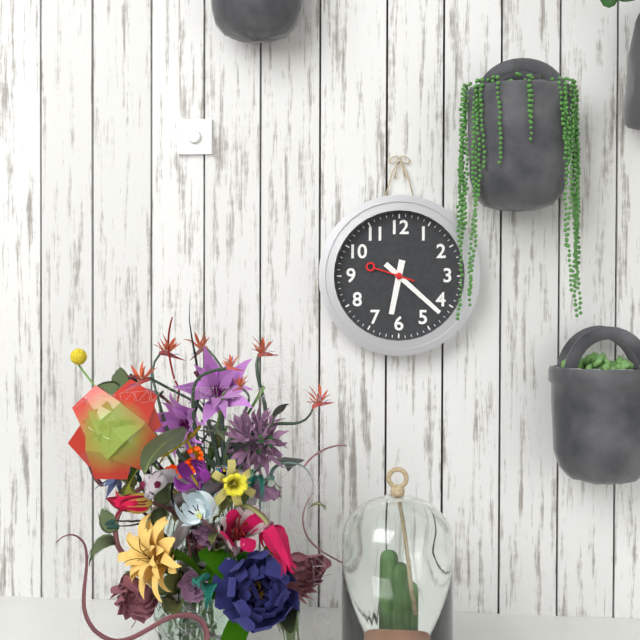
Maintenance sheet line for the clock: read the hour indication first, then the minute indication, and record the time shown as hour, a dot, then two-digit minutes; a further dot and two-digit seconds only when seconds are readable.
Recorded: 6.22
